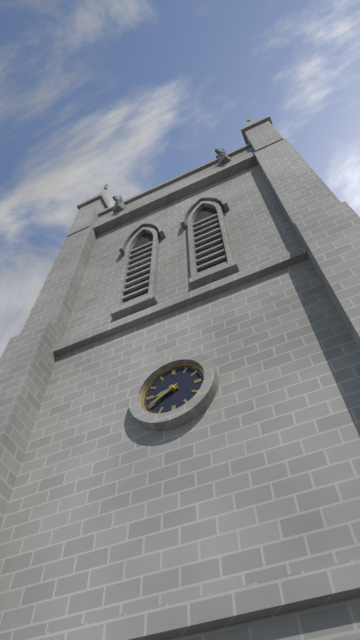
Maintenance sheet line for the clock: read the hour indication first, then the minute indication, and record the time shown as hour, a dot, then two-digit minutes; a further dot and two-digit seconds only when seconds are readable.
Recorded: 8.40
